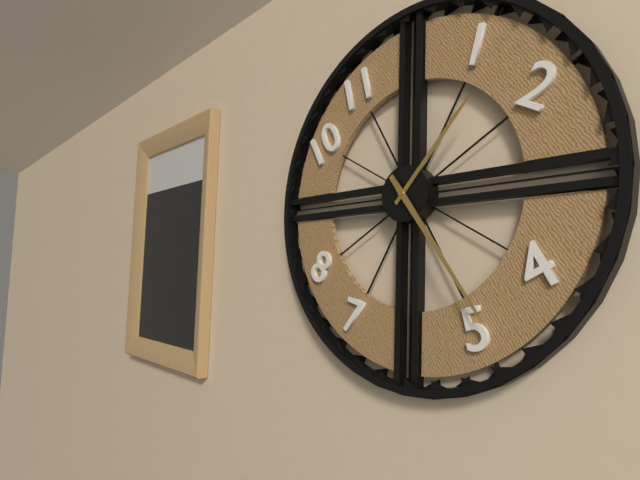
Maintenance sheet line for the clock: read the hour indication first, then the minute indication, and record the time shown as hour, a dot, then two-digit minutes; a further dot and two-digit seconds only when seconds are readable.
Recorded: 1.24
